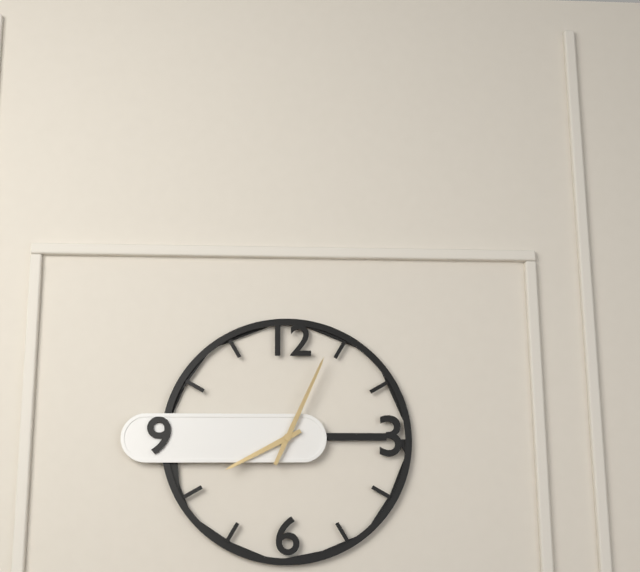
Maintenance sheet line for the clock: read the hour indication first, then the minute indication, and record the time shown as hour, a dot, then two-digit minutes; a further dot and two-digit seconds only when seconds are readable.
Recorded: 8.04
